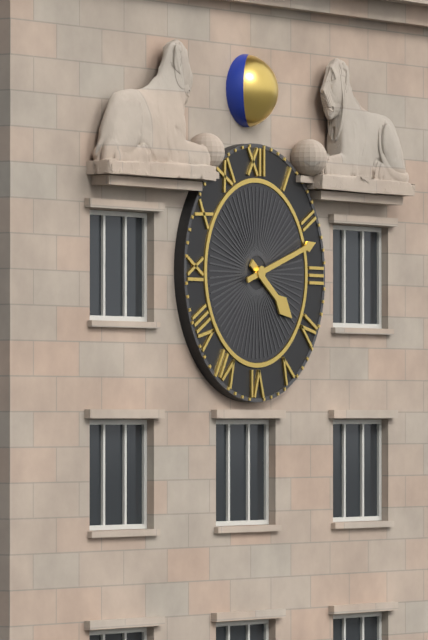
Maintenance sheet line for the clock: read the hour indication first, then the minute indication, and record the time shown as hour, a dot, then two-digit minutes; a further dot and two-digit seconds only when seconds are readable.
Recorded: 4.12
